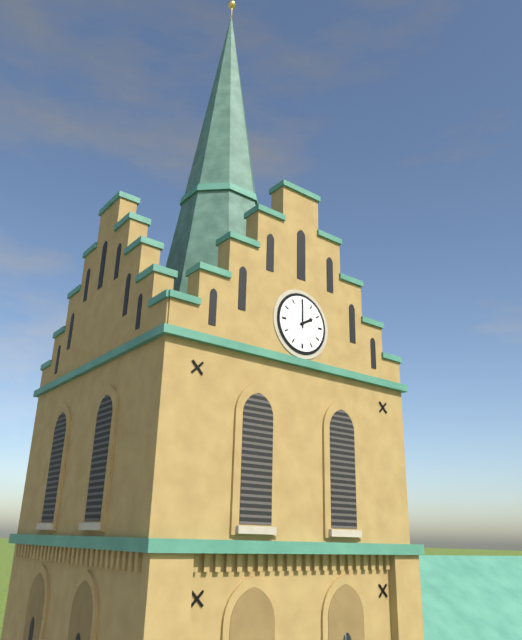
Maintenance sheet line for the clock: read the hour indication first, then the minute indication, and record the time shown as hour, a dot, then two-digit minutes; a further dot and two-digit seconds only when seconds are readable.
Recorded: 2.00
